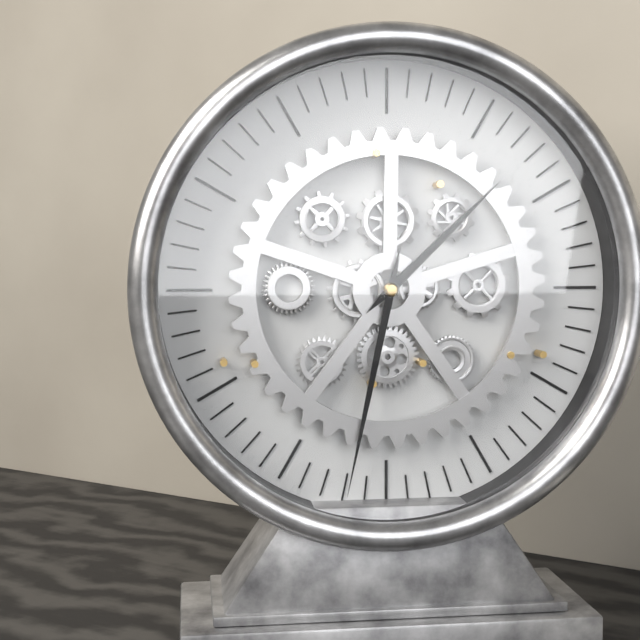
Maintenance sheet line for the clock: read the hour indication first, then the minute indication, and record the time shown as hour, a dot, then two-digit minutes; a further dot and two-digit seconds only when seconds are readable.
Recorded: 1.32
